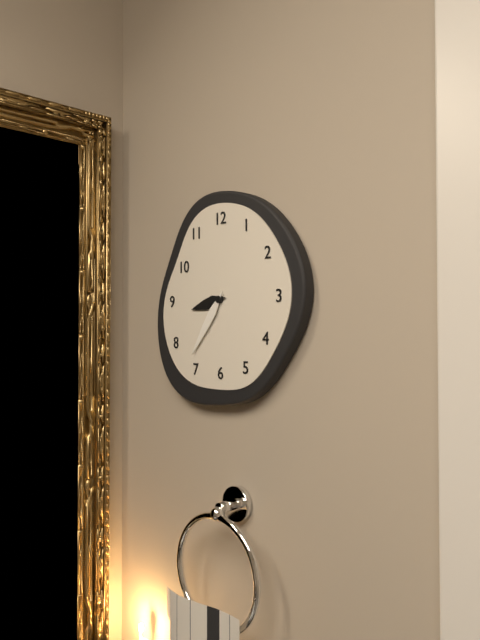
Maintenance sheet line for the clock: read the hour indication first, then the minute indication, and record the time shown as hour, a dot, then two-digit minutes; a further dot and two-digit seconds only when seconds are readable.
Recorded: 8.36
